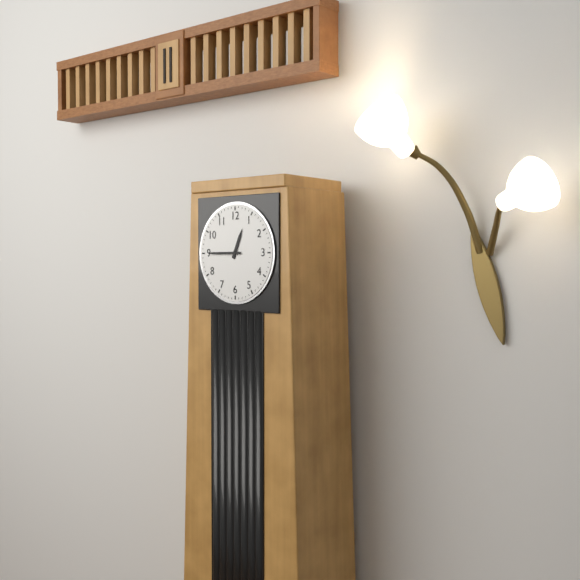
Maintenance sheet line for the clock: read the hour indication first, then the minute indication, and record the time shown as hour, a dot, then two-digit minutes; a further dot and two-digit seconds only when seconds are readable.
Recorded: 12.45
